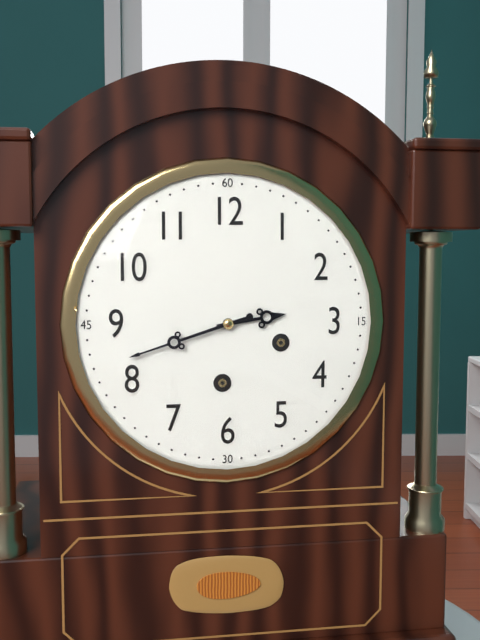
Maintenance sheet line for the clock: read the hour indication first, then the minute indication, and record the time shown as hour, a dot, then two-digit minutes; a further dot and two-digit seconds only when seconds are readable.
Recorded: 2.42
